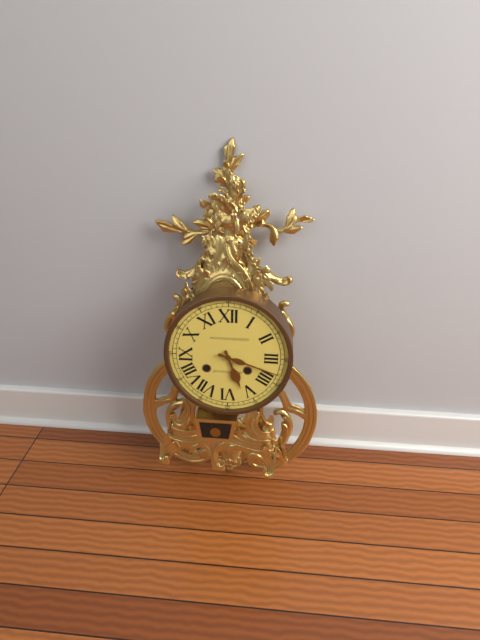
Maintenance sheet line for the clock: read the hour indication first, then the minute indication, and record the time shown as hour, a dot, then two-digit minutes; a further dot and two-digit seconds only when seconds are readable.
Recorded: 5.18
